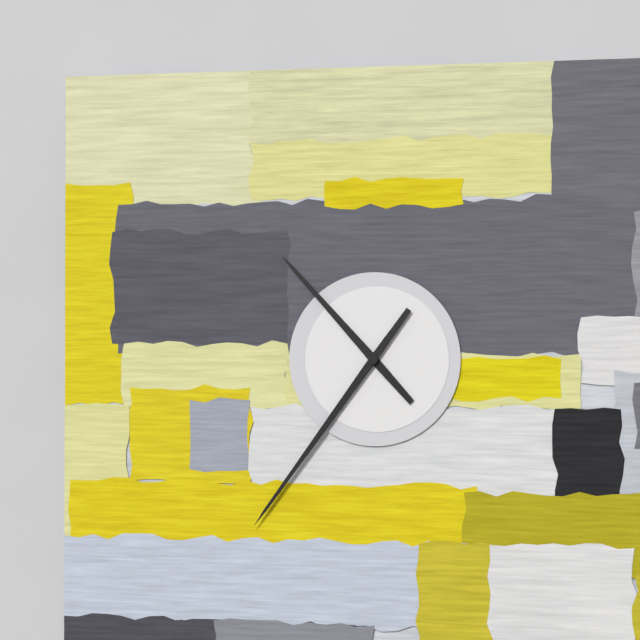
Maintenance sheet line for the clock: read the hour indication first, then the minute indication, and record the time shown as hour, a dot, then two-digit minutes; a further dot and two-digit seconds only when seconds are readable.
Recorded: 10.36
